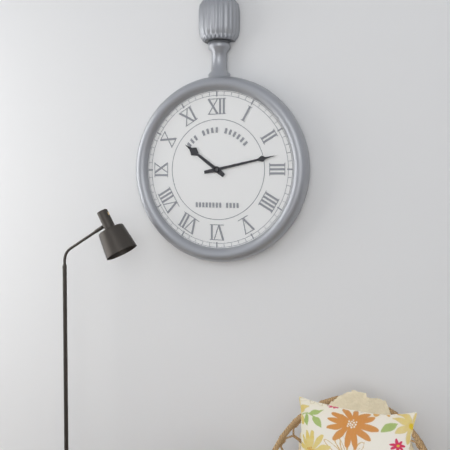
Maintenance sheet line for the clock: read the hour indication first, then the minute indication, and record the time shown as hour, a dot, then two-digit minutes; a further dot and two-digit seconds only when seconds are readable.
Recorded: 10.13
